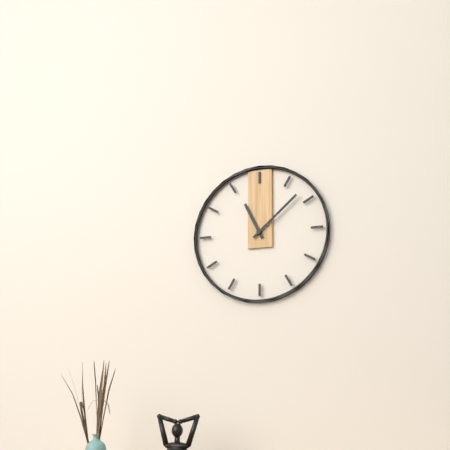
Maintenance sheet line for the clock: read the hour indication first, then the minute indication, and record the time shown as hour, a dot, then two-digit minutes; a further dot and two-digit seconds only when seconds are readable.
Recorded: 11.08
